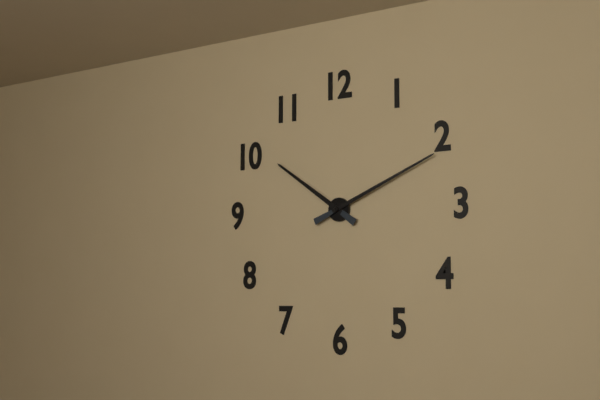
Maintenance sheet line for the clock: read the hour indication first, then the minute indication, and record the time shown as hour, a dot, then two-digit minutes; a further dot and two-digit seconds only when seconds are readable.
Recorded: 10.11
